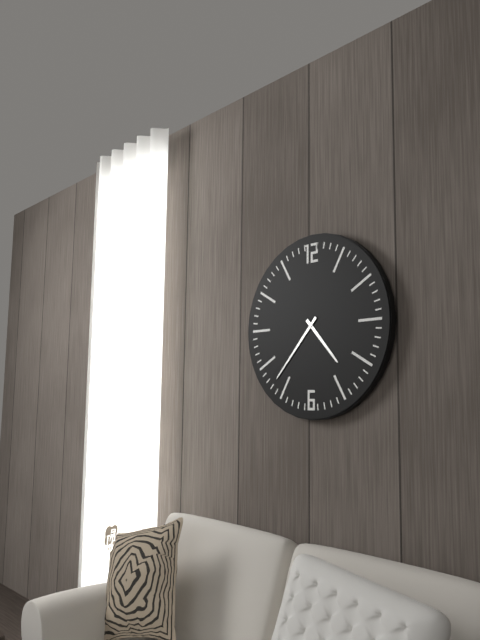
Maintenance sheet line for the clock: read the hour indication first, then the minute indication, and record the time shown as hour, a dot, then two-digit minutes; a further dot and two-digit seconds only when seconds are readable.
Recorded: 4.37
